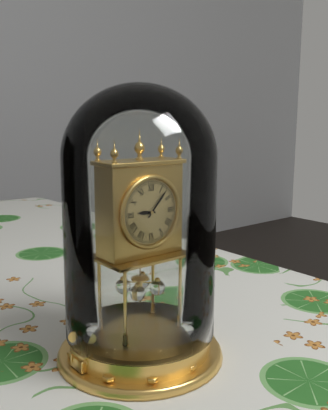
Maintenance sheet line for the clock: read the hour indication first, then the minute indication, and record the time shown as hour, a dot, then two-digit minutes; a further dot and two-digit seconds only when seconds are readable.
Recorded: 9.07
